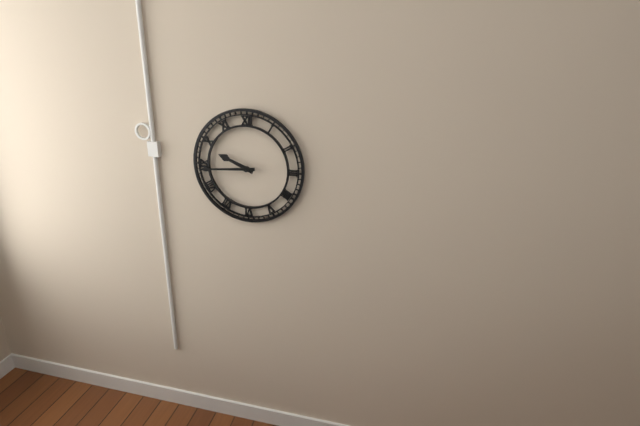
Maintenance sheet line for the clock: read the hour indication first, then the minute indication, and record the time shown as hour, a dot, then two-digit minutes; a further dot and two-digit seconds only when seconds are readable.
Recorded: 9.44
